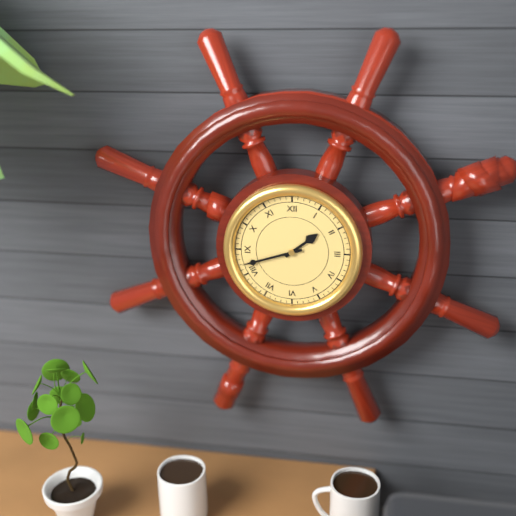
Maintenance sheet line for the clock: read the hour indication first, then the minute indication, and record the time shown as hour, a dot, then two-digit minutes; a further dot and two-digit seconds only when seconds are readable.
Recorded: 1.42
